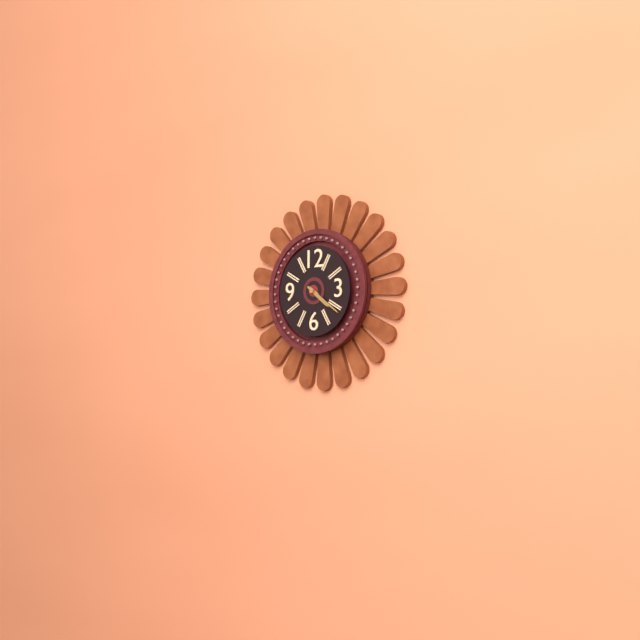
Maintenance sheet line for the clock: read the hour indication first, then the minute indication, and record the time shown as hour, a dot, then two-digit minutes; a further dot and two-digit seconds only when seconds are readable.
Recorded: 4.21
